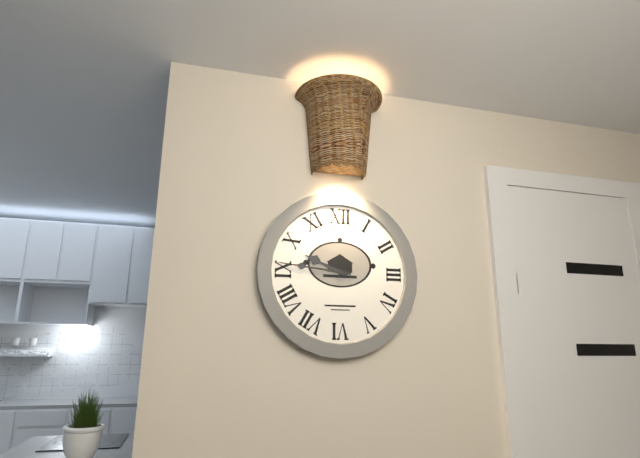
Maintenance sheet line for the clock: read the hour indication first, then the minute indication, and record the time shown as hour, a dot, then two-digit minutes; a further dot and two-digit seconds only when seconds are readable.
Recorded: 9.46
